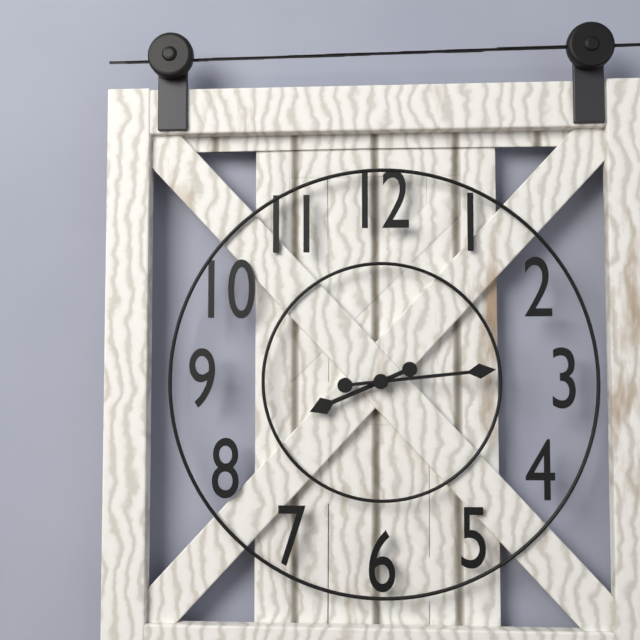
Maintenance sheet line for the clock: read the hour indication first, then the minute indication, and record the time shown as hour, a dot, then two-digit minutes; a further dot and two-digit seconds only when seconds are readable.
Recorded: 8.14
